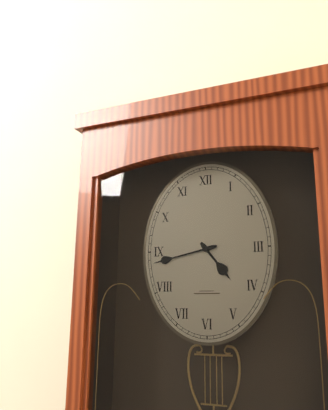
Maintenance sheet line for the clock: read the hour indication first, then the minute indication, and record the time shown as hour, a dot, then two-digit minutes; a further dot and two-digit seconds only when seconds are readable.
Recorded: 4.43
